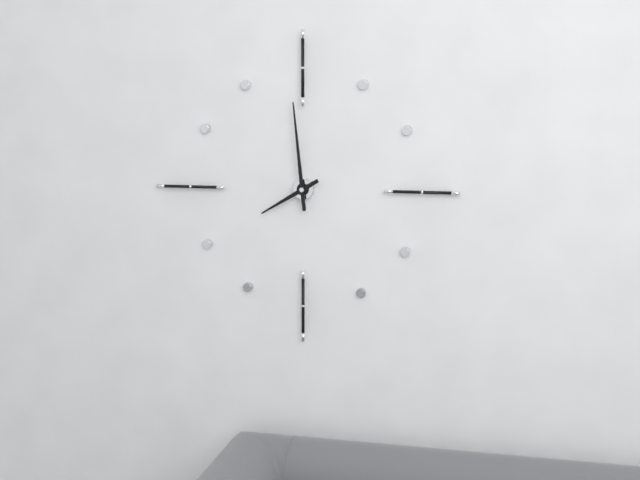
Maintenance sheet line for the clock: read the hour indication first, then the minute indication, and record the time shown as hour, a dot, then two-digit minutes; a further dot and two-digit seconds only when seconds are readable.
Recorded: 7.59
